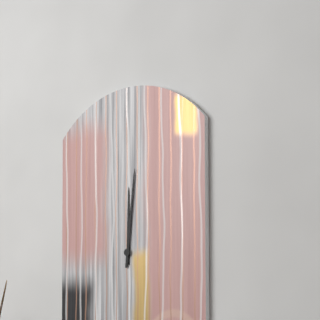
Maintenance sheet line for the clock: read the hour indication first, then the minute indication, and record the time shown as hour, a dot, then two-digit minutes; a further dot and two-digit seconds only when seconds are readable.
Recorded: 12.01
